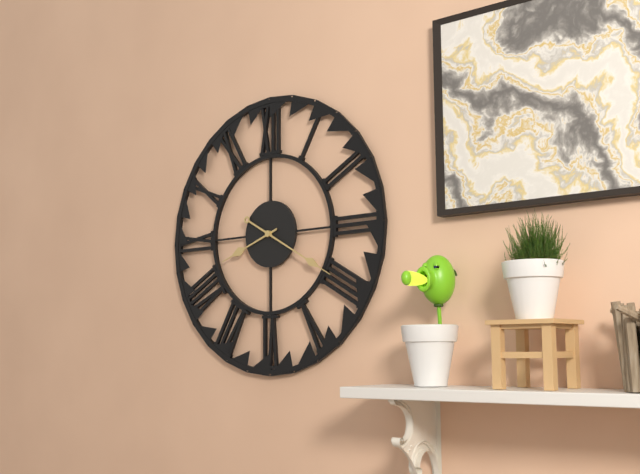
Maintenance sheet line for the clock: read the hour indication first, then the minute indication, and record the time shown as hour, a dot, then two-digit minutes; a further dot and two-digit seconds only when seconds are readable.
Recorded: 8.20
